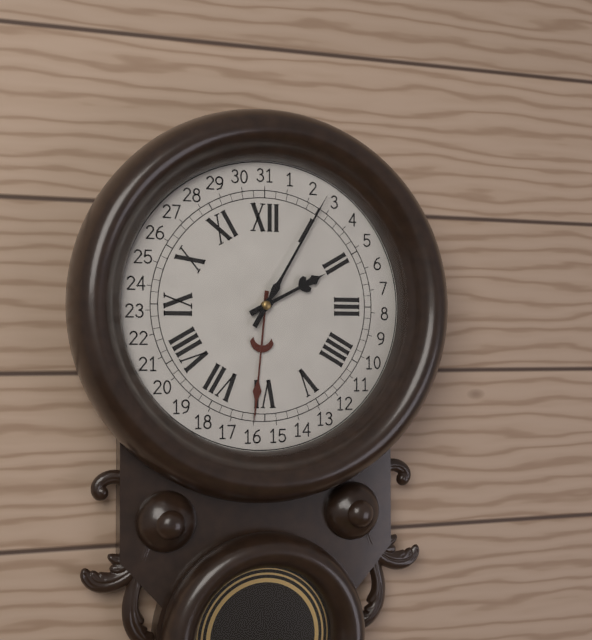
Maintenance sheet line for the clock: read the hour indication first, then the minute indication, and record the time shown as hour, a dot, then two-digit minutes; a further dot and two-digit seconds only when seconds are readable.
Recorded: 2.05
